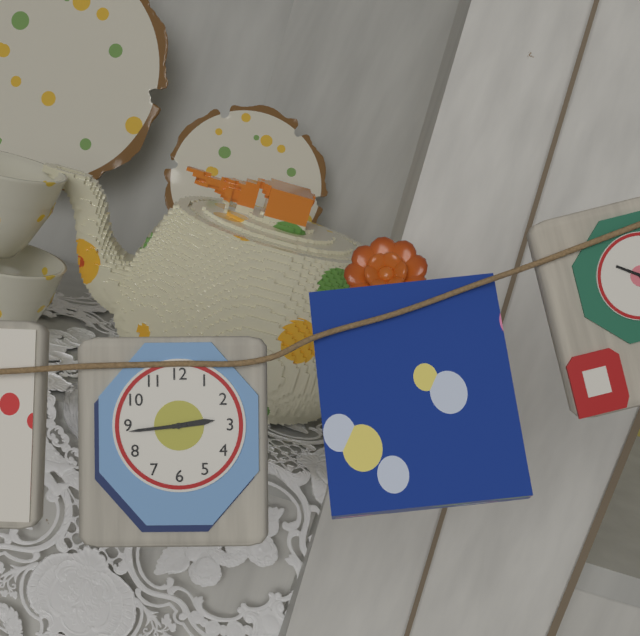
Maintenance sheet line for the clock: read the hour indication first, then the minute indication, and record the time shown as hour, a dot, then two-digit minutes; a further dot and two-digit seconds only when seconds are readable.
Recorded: 2.44
